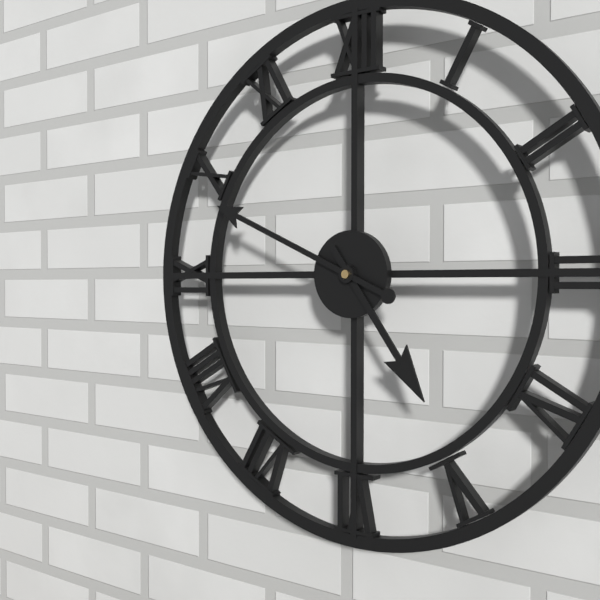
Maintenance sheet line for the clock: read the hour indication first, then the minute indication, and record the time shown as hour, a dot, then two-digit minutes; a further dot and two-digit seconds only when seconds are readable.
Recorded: 4.49
